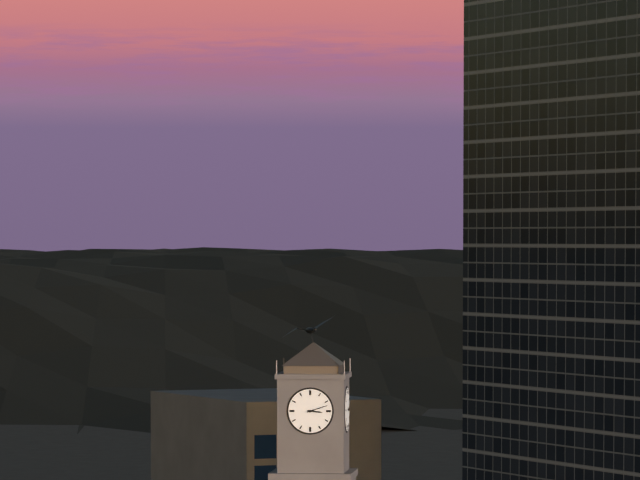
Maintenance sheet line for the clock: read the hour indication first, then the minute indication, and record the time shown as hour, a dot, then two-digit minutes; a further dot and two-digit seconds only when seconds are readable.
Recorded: 3.12
